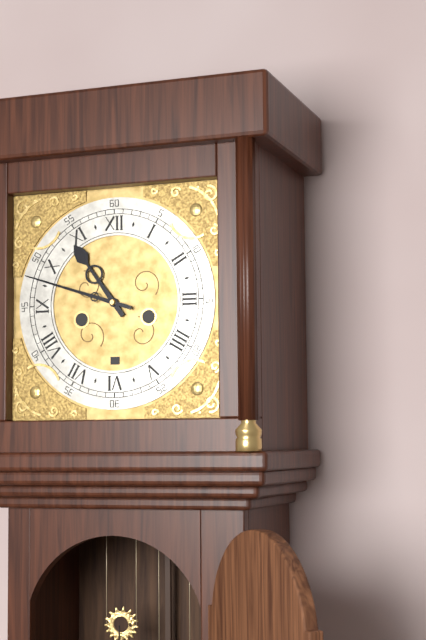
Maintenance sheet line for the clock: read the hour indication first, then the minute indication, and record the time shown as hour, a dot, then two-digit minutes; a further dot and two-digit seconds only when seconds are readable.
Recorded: 10.48
